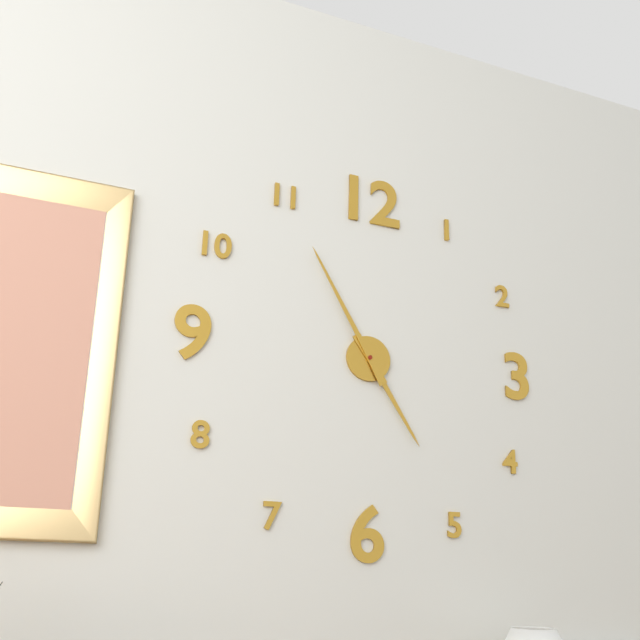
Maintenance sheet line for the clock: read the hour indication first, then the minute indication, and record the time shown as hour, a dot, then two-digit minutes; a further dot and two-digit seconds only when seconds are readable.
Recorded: 4.55
